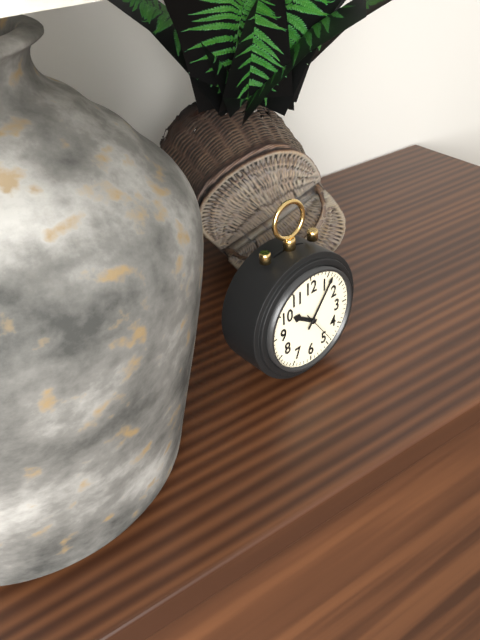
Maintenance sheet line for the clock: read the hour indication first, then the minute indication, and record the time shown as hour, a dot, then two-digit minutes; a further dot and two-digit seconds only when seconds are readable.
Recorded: 10.06
